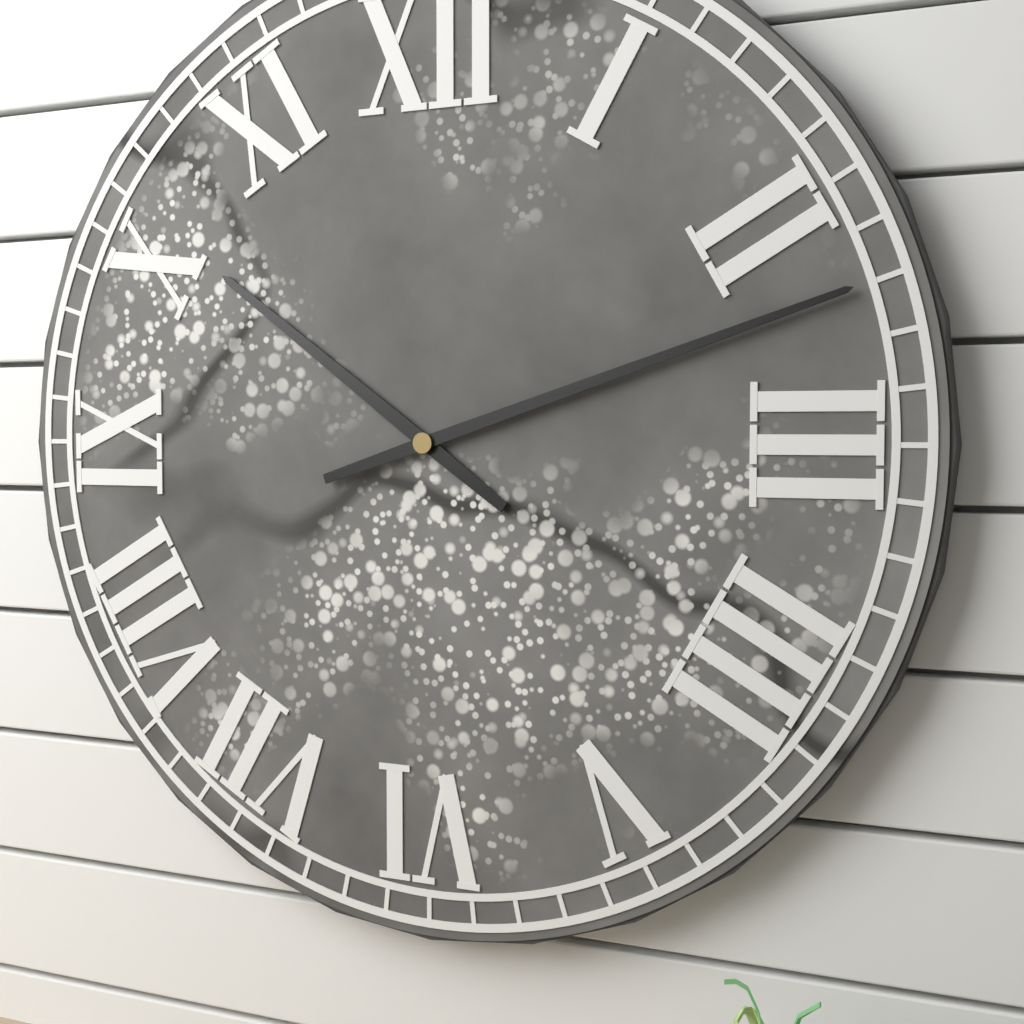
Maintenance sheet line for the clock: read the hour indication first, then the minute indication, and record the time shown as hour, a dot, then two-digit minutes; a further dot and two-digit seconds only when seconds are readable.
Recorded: 10.12
